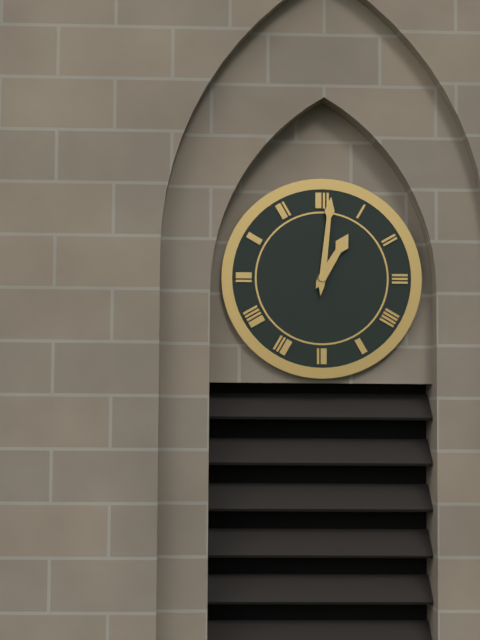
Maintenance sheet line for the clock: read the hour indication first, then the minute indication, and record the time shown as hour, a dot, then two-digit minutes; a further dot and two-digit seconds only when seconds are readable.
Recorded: 1.01
